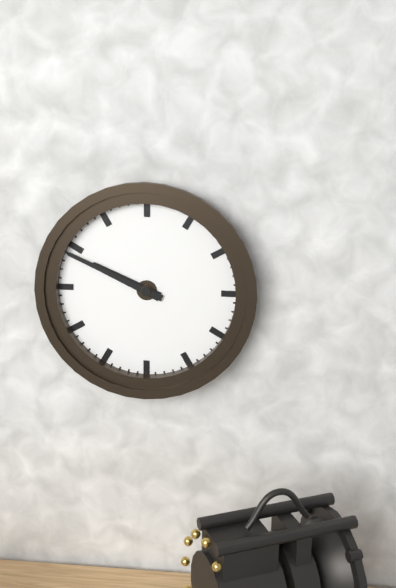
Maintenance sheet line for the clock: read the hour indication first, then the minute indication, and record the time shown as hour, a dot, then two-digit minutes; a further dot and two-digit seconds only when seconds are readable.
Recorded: 9.49
